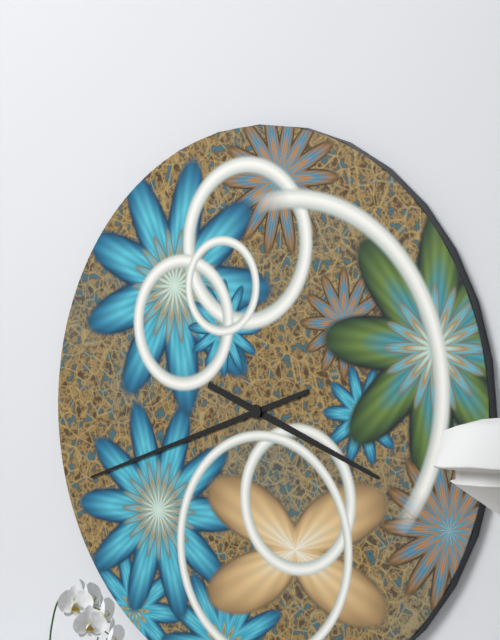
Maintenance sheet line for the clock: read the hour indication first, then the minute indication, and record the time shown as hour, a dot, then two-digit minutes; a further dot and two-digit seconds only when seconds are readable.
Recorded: 3.42
